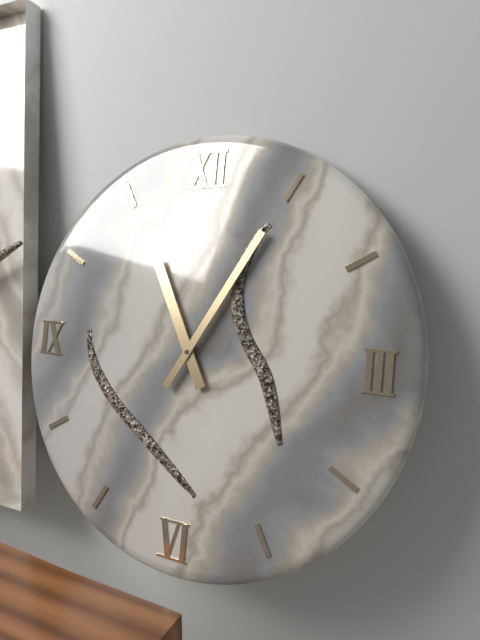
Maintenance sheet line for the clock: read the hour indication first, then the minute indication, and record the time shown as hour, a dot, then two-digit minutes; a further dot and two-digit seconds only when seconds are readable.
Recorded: 11.05
